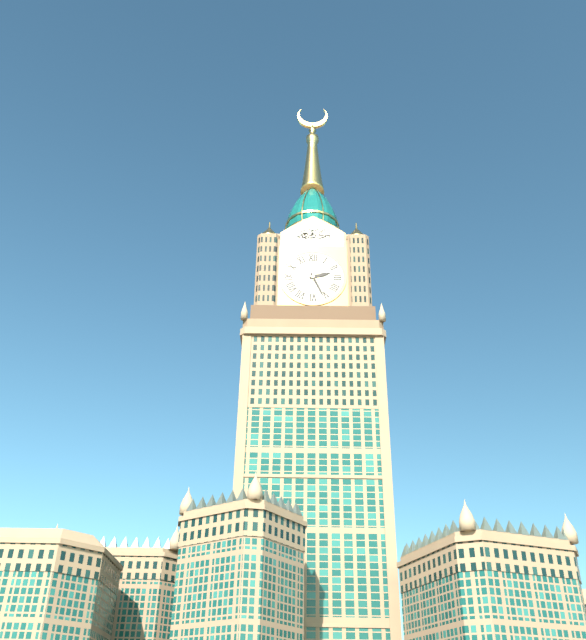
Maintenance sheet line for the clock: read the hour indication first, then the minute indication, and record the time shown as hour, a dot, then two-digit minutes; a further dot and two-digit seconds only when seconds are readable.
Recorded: 2.26
